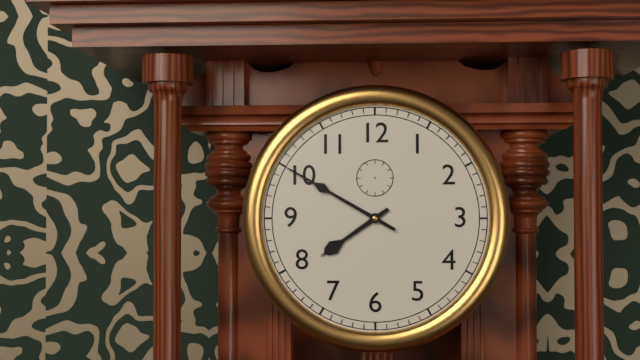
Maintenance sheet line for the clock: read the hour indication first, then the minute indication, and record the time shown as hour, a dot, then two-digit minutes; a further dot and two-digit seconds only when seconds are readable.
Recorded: 7.50
